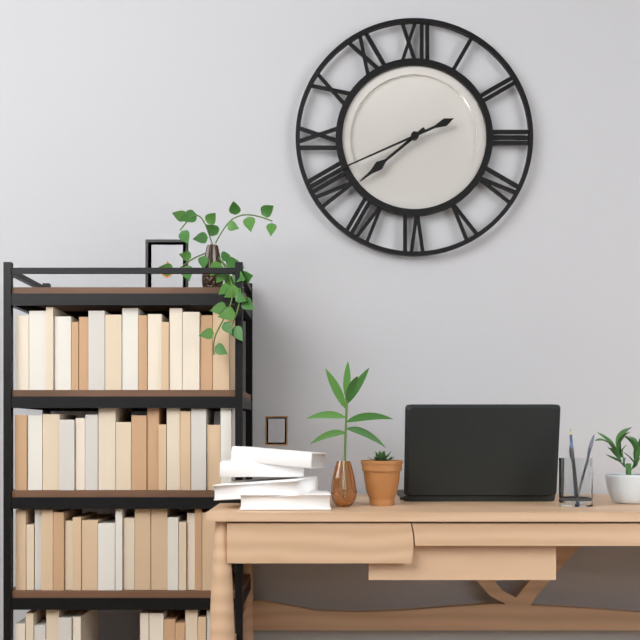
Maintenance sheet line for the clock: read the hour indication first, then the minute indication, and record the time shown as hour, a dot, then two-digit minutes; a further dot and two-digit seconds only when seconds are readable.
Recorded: 7.41
